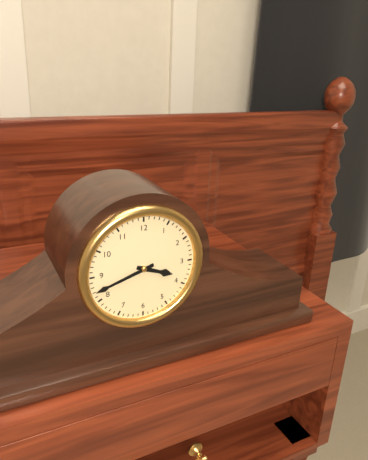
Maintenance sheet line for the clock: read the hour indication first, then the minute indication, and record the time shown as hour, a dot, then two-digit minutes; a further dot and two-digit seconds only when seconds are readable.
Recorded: 3.42
